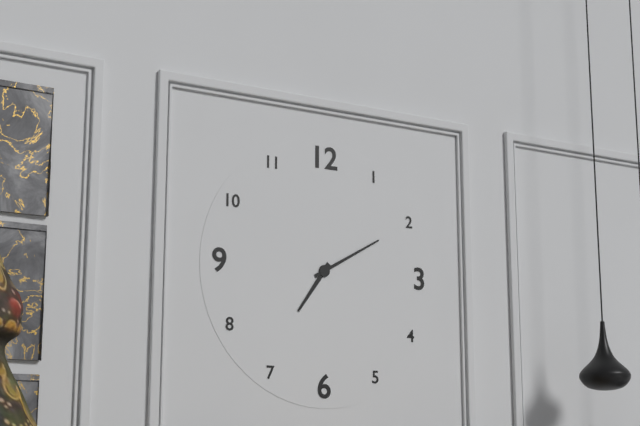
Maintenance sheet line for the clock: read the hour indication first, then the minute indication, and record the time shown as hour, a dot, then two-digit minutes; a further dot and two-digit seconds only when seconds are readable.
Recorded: 7.10
